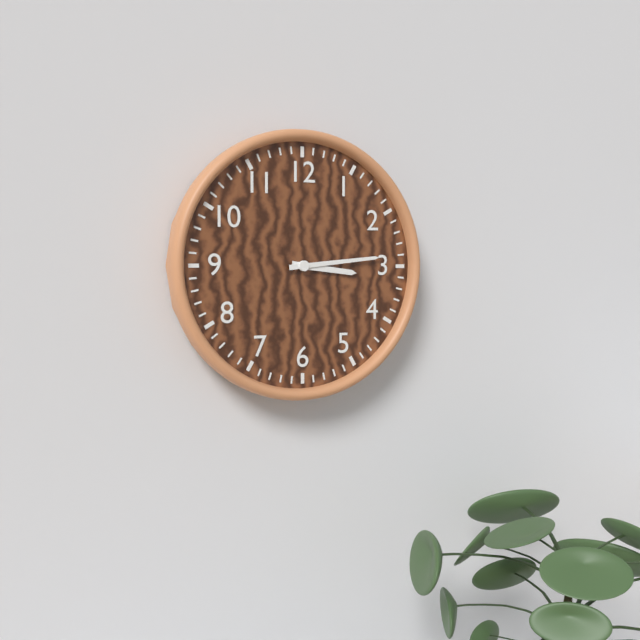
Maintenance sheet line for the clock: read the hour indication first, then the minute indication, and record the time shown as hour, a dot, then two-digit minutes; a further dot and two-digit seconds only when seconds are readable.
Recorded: 3.14
